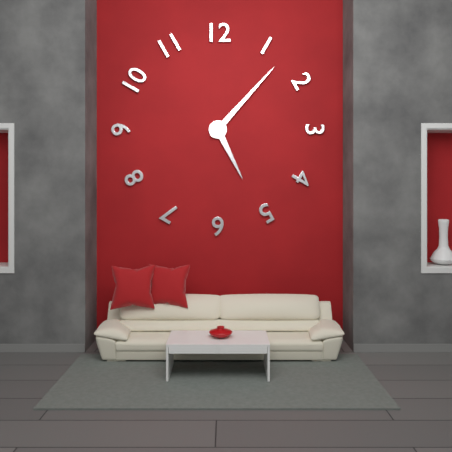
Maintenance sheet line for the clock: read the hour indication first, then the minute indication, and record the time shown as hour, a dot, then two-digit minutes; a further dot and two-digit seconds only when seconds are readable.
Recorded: 5.07
